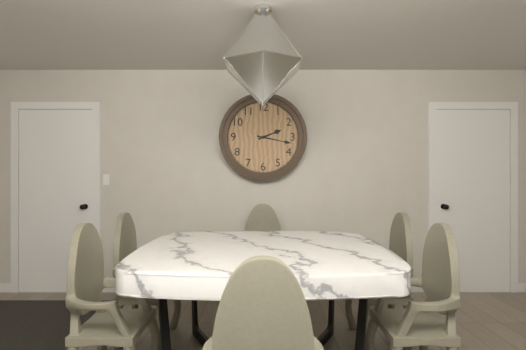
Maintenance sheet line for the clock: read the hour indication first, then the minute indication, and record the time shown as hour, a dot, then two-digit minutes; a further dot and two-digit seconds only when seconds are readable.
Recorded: 2.17
